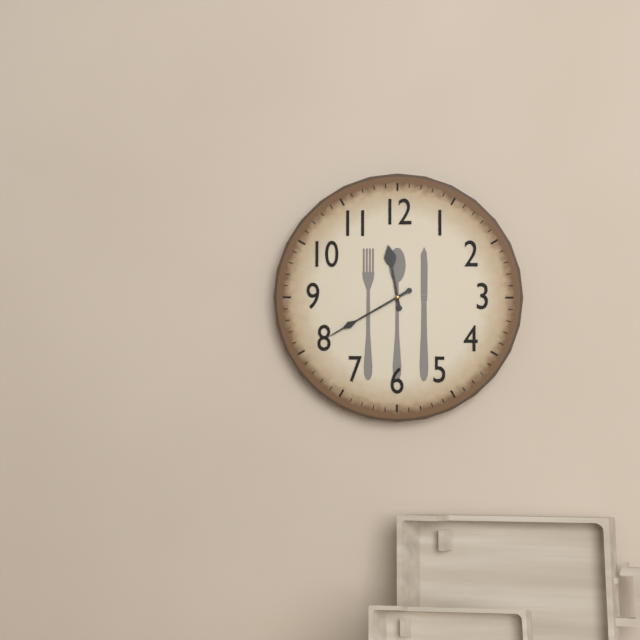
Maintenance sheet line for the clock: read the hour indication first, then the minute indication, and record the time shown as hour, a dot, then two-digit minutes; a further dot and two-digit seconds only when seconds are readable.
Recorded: 11.40
